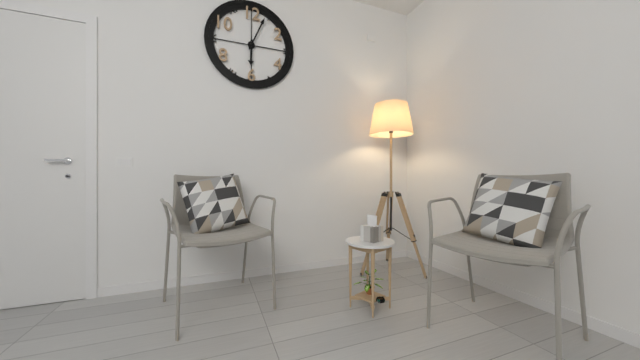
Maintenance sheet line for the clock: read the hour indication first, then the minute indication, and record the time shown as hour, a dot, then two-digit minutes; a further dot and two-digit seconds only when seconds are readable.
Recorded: 6.04
